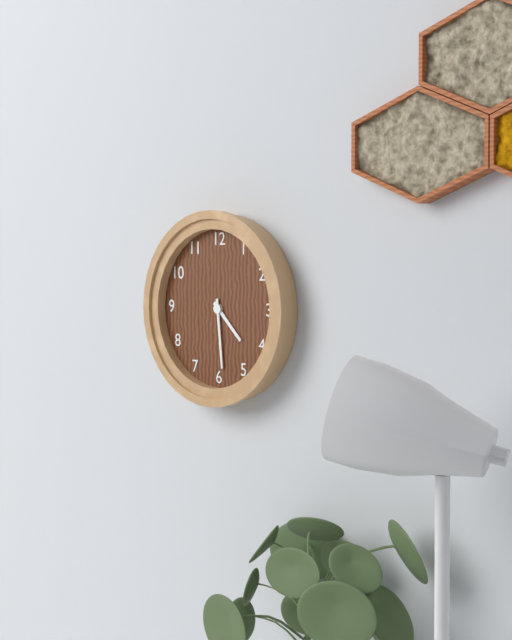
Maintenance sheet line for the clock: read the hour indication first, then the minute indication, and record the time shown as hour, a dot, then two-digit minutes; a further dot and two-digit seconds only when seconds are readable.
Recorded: 4.29
